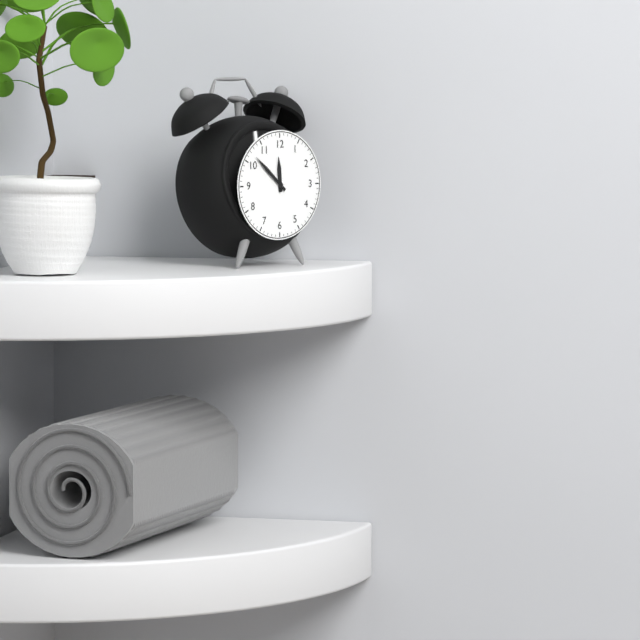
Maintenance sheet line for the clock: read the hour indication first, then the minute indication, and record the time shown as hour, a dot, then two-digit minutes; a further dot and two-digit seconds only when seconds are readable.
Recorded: 11.52
